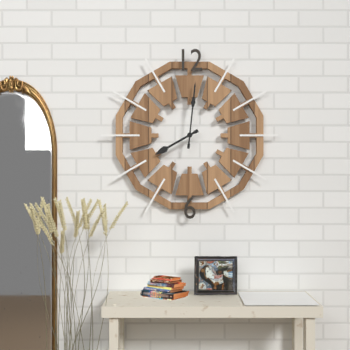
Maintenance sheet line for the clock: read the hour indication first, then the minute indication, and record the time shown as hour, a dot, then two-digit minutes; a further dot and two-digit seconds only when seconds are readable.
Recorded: 8.01
